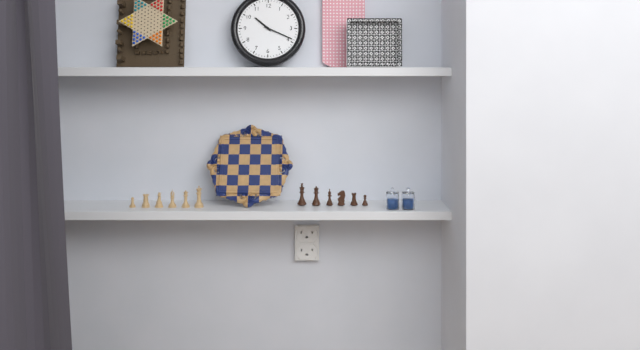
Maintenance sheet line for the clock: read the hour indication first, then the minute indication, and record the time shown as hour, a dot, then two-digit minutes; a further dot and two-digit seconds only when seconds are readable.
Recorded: 10.19
